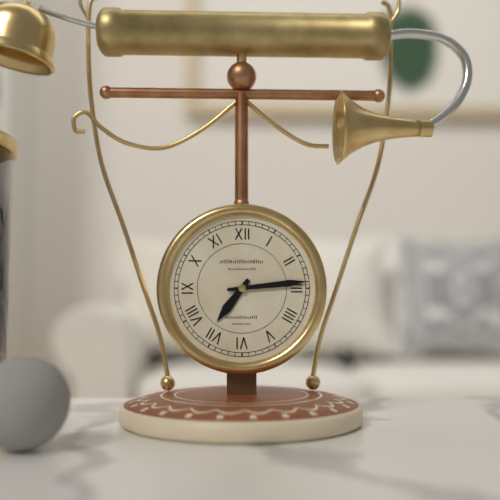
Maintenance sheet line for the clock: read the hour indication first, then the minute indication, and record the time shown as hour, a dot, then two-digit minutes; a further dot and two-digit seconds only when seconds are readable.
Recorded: 7.14
